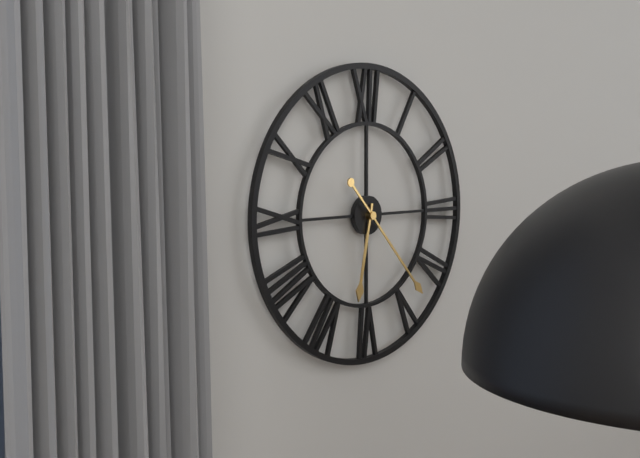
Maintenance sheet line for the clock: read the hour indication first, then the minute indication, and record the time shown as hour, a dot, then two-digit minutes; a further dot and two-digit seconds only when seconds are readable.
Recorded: 6.23
